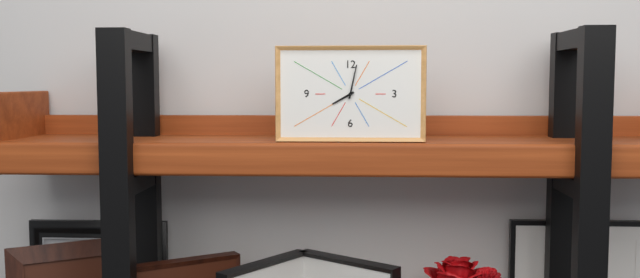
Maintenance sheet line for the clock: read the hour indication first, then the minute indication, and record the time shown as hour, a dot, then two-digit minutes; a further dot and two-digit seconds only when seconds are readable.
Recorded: 8.02
